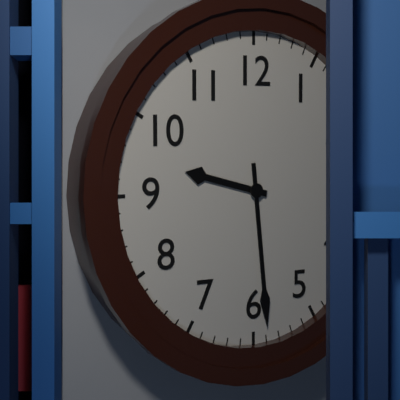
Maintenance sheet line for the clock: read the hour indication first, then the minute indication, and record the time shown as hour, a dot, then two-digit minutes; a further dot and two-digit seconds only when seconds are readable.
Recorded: 9.29
